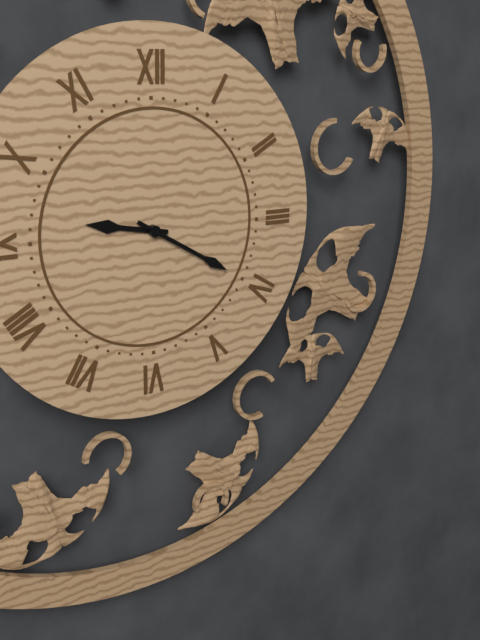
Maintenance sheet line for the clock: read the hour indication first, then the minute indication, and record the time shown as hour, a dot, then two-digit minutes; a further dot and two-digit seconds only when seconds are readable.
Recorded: 9.20
